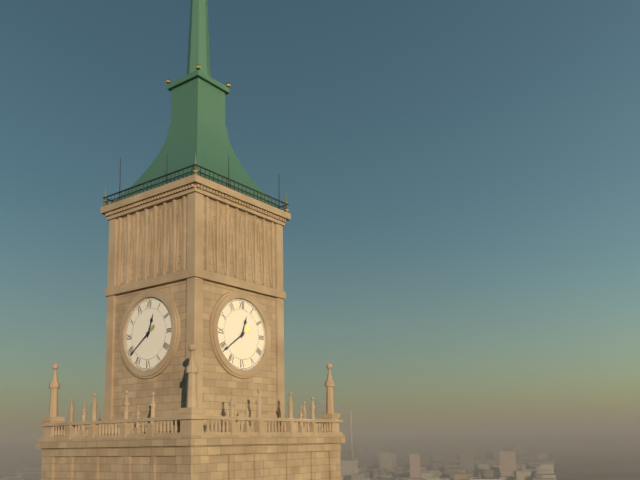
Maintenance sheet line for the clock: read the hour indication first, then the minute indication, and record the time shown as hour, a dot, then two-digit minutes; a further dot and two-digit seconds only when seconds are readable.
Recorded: 12.39
